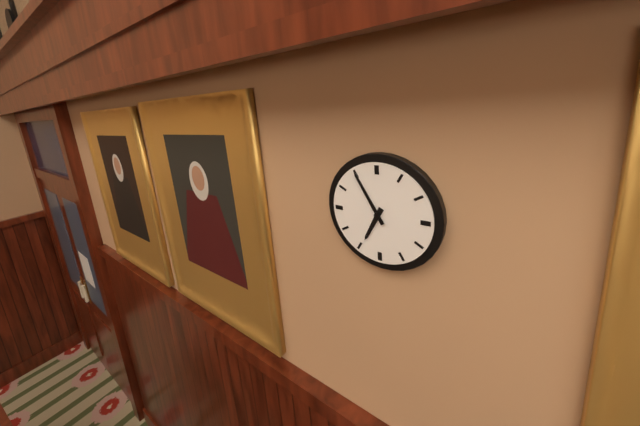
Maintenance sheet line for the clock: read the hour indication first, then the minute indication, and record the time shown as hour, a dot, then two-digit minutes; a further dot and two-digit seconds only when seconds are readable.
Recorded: 6.55
